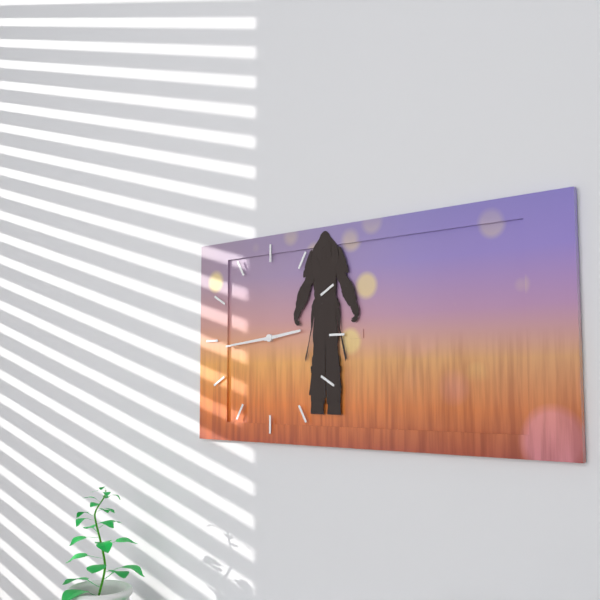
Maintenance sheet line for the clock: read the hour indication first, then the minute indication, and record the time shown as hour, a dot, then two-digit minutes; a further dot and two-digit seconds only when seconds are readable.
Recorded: 2.44
